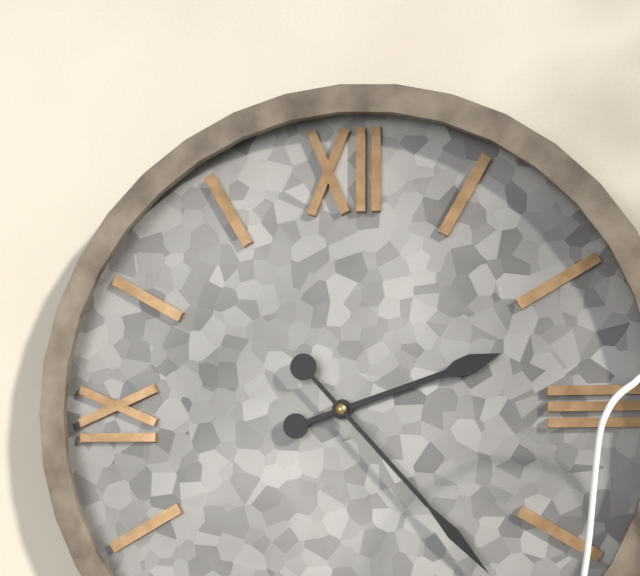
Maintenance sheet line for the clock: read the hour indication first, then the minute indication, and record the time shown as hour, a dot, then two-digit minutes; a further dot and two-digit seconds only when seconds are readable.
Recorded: 2.23
